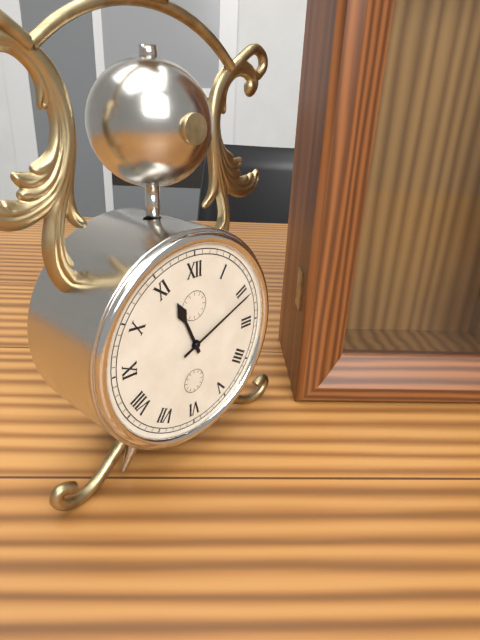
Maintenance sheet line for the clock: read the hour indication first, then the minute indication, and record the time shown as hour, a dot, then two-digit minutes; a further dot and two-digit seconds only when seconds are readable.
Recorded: 11.11
